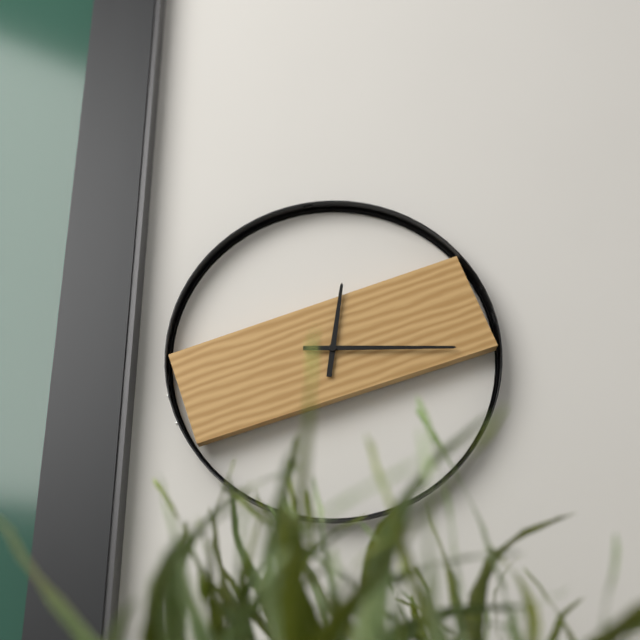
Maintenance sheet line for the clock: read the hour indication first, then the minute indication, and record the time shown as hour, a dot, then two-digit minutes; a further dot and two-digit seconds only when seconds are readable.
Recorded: 12.15
